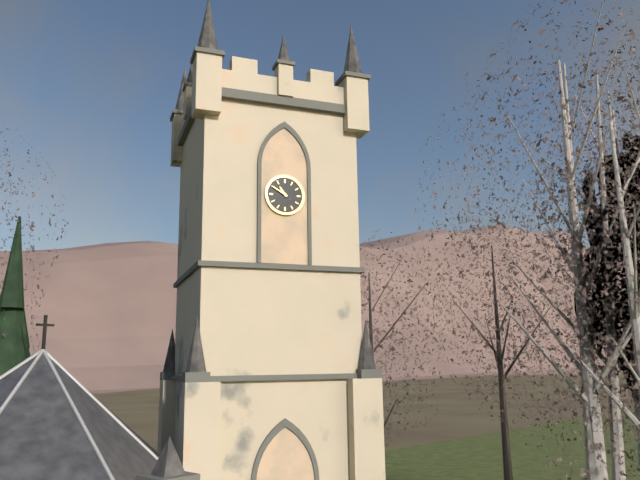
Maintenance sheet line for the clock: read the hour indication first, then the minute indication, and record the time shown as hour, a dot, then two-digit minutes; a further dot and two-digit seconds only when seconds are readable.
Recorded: 10.50
